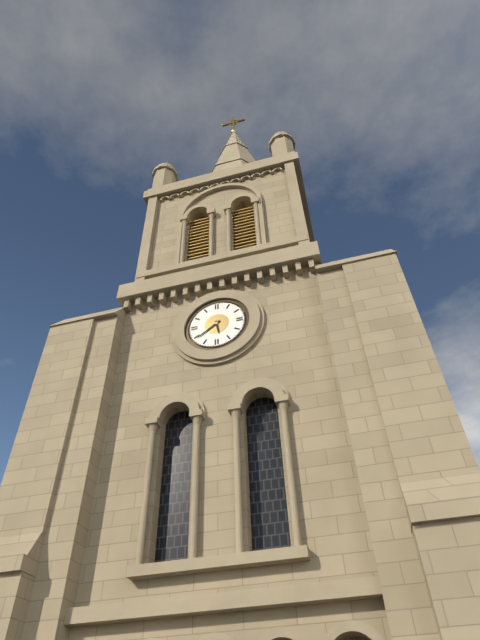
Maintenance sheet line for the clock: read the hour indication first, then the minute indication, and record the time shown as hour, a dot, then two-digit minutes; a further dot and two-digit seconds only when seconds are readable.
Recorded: 5.39
